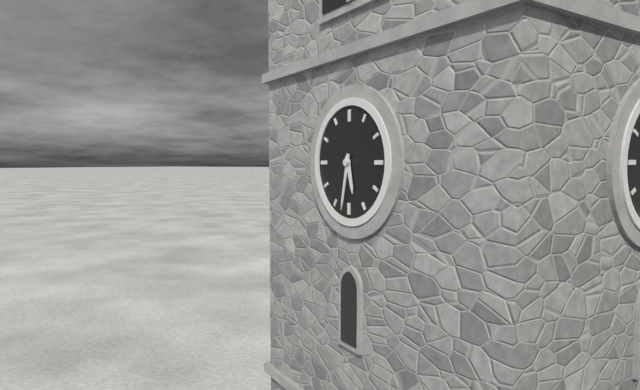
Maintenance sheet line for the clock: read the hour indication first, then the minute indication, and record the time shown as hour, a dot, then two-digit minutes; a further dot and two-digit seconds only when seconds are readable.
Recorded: 5.32
